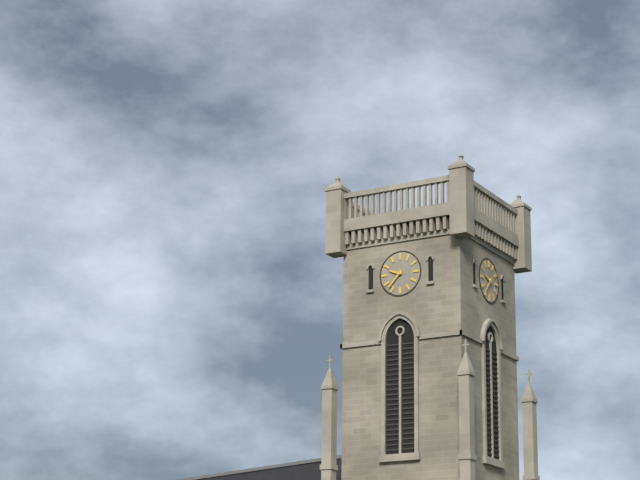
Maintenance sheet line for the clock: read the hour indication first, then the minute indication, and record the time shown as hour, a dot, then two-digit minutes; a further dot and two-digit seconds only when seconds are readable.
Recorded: 9.37
